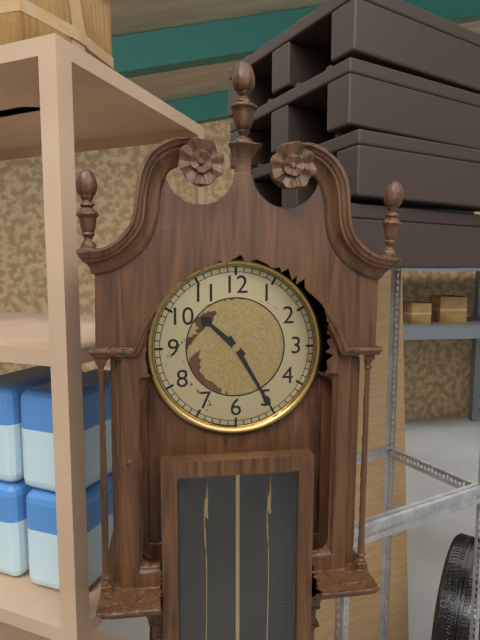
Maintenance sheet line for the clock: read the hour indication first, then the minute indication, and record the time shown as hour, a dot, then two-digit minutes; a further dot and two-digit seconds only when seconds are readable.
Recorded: 10.25
